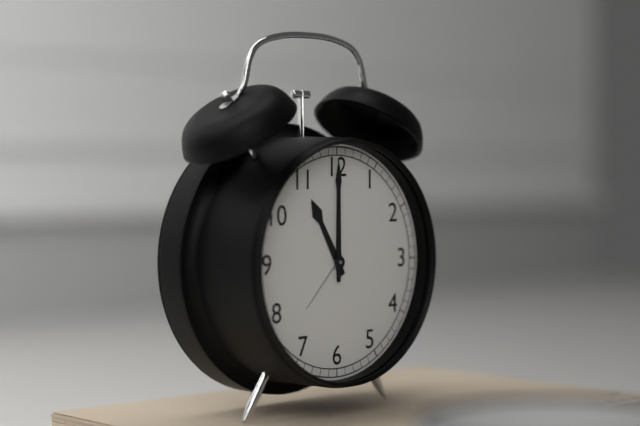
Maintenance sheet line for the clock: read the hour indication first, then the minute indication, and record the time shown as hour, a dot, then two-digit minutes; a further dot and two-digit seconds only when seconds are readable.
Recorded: 11.00
